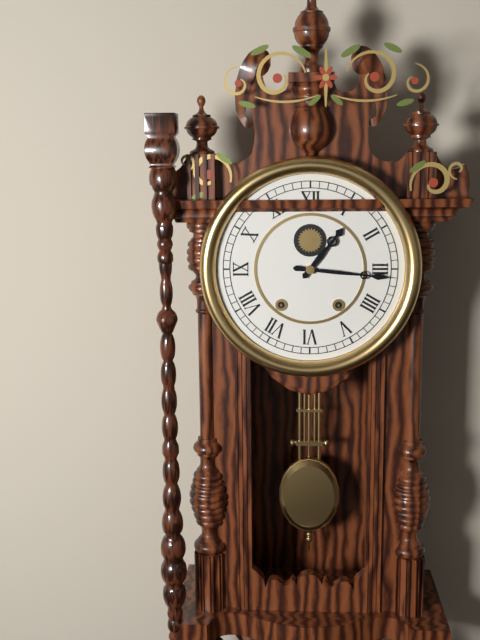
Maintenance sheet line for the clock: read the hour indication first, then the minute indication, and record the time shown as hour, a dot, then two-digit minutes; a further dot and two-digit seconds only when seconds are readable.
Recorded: 1.16
